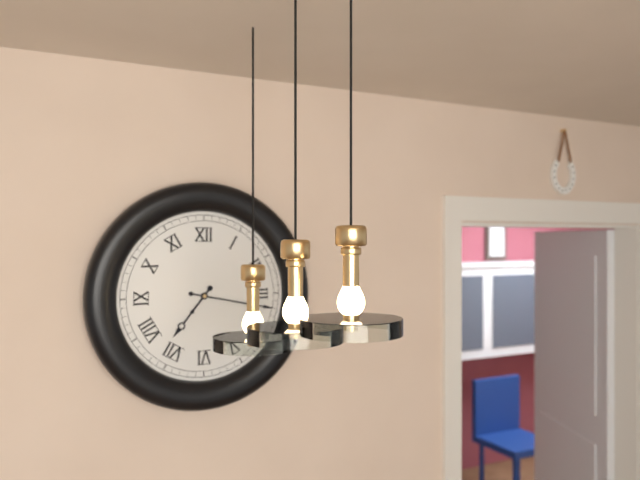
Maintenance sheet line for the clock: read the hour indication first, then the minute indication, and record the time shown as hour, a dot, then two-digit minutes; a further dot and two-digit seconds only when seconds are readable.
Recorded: 7.17
